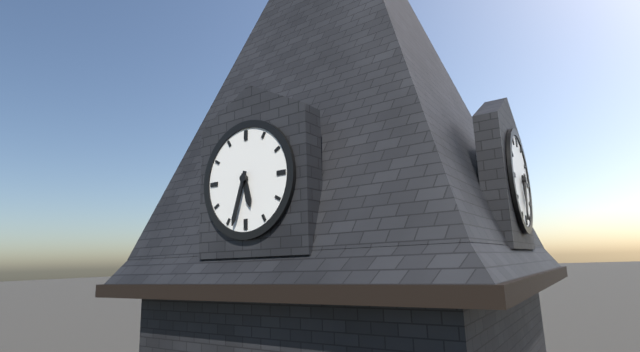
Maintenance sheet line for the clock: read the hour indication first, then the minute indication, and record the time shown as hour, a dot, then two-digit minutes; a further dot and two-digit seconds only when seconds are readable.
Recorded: 5.33
